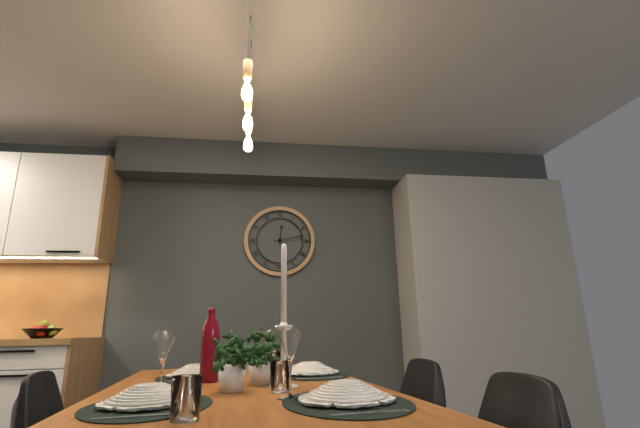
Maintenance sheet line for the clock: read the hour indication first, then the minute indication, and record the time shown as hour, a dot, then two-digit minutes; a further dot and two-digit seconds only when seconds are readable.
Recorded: 12.13
